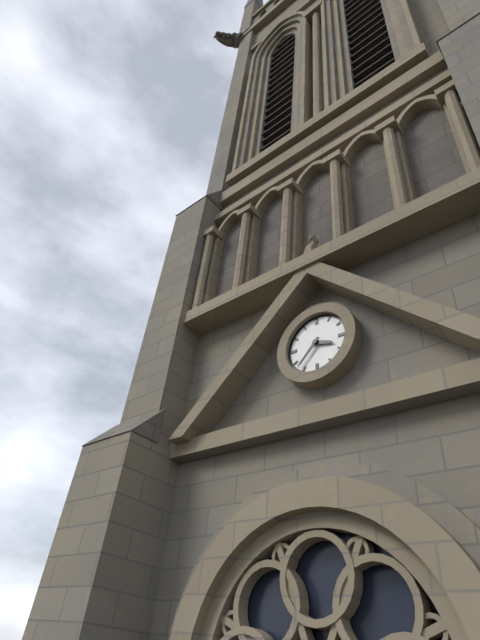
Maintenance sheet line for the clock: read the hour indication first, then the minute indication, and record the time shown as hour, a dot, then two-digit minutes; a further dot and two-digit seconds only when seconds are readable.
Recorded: 3.37
